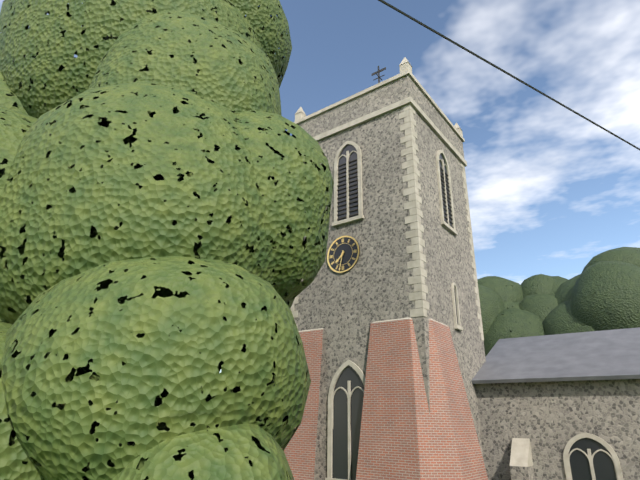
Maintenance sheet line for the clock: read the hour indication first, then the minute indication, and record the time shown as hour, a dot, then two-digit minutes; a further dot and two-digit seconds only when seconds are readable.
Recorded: 7.32
